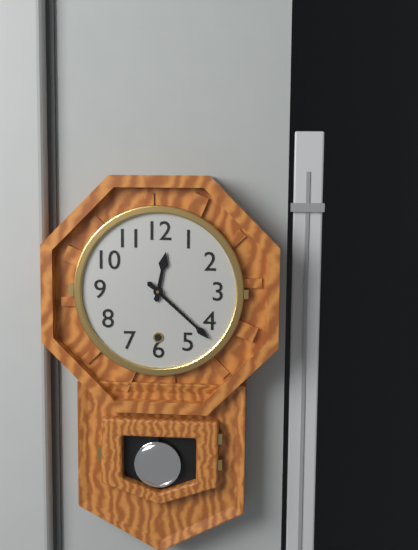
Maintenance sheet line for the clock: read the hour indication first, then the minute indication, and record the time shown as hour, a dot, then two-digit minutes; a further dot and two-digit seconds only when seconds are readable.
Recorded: 12.22
